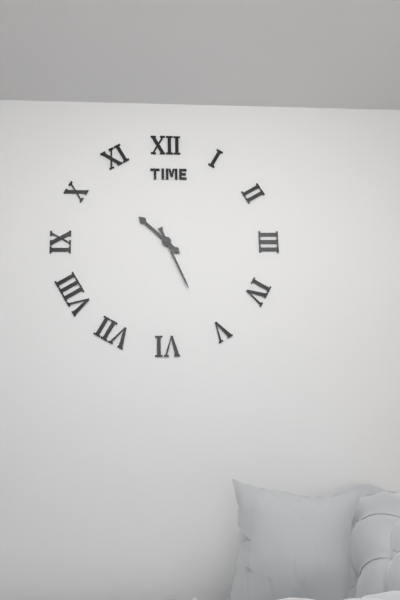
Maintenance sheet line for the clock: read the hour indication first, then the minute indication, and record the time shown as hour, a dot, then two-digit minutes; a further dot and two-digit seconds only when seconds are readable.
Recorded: 10.26
